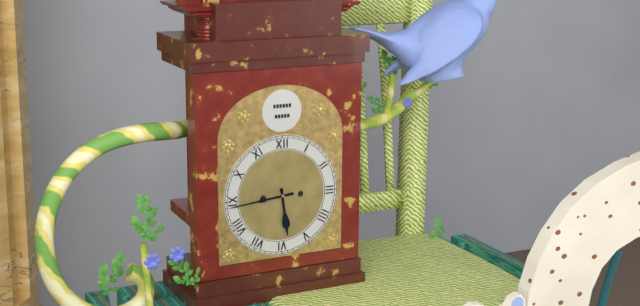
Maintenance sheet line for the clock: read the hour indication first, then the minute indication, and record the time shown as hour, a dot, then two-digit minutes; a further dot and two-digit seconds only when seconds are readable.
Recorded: 5.44
